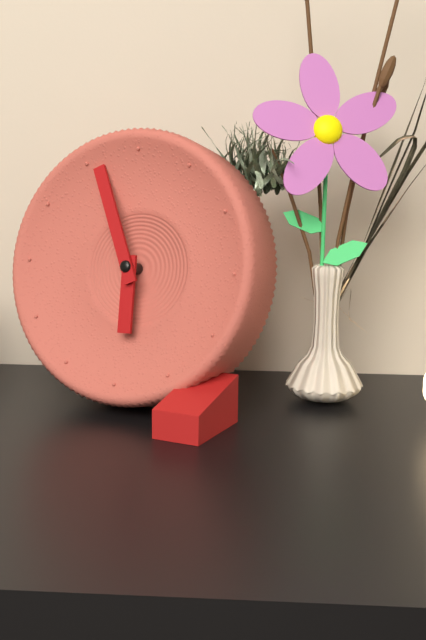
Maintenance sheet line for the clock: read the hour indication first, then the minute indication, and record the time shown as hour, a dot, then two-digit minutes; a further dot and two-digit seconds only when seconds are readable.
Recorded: 5.56
